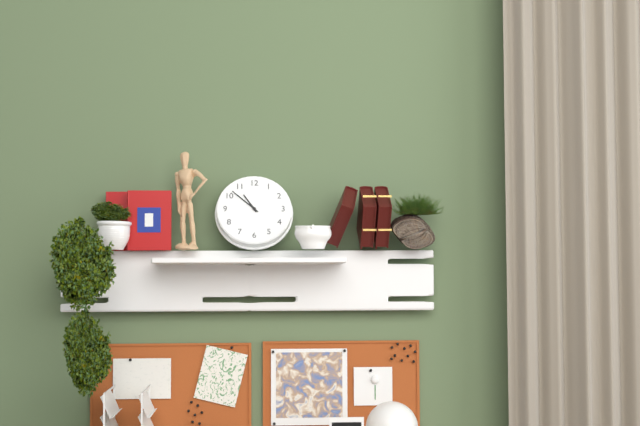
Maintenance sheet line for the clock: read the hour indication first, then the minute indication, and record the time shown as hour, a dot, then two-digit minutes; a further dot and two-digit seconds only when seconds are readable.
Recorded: 10.52
